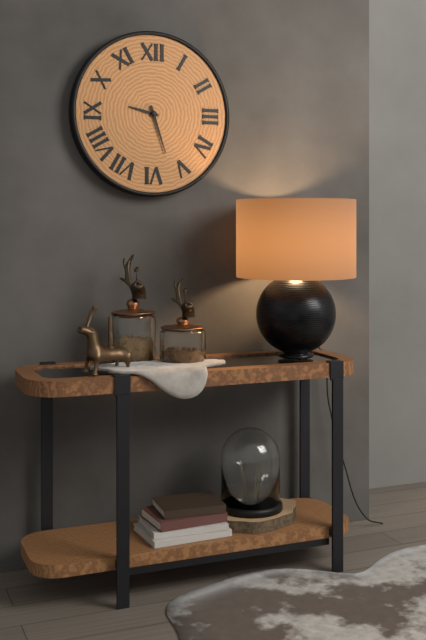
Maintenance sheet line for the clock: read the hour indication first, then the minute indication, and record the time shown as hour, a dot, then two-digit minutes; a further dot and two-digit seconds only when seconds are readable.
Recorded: 9.27
